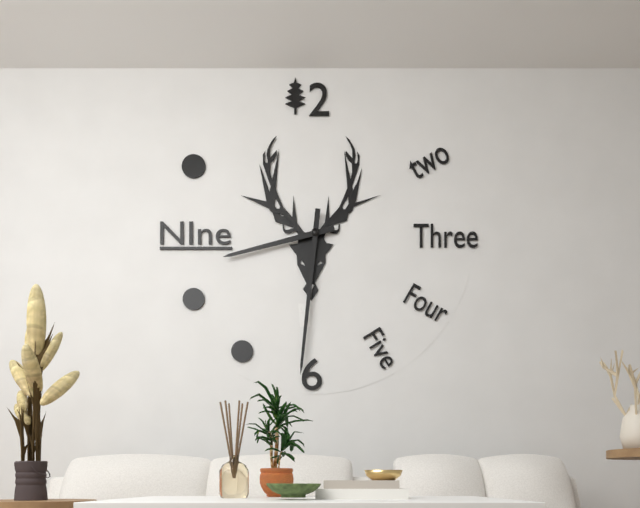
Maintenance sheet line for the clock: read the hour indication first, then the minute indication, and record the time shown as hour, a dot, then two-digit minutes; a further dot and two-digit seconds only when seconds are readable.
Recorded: 8.31
